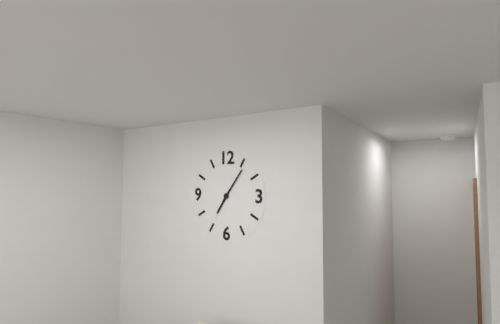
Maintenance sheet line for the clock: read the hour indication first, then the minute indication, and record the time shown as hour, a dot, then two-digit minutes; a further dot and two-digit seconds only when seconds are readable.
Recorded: 7.06
